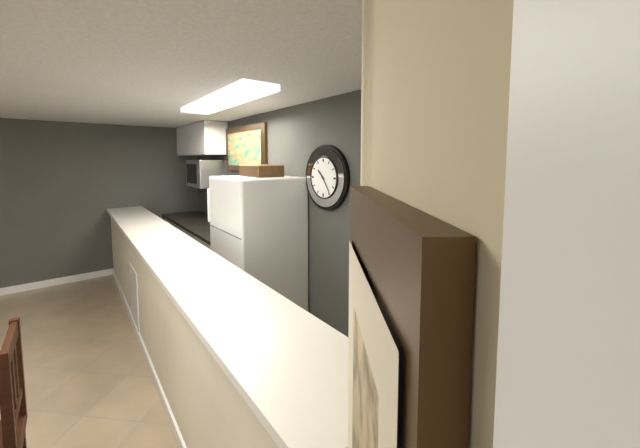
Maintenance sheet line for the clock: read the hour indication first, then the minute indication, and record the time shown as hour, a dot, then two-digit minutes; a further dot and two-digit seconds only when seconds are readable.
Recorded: 10.24
